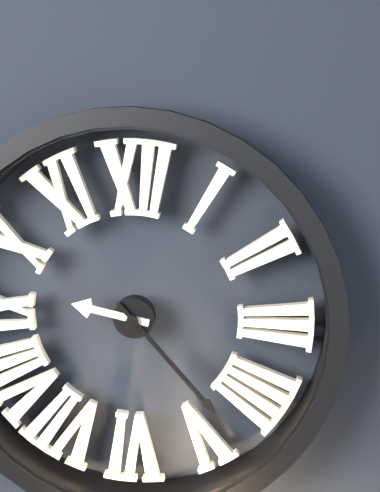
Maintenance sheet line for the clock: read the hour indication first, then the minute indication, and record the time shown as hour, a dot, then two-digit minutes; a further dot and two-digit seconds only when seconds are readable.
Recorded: 9.23
